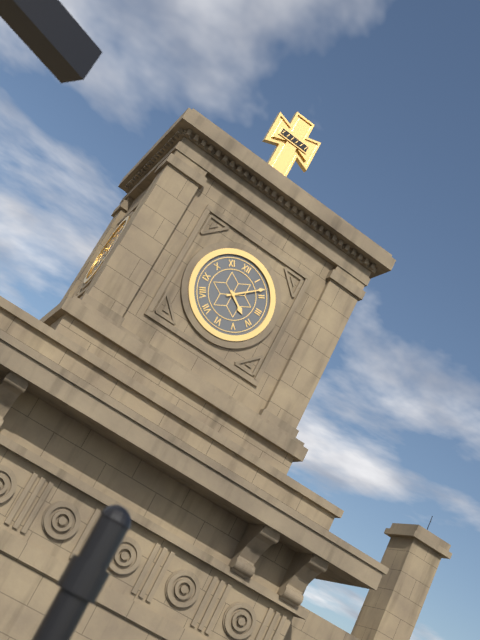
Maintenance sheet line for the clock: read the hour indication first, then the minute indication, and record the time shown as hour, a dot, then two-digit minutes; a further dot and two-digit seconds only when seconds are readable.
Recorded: 4.08
